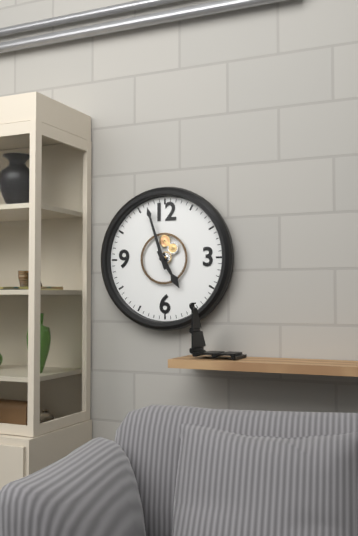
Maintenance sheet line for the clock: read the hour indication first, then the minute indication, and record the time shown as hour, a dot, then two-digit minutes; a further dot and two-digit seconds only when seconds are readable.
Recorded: 4.57
